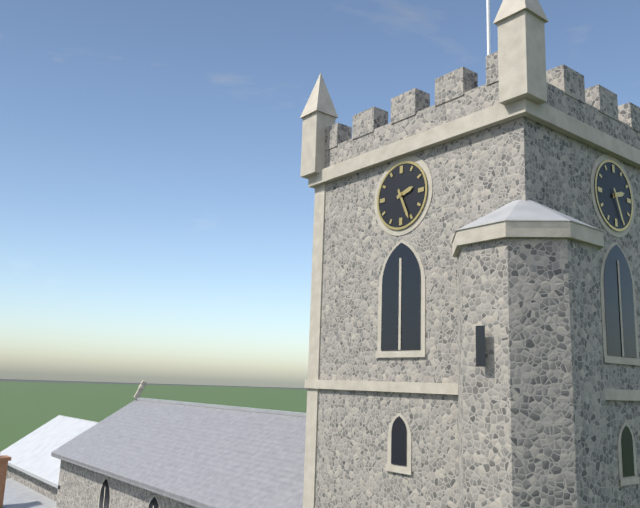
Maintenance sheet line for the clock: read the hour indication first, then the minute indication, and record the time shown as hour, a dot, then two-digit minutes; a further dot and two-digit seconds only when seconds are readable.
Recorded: 2.26
